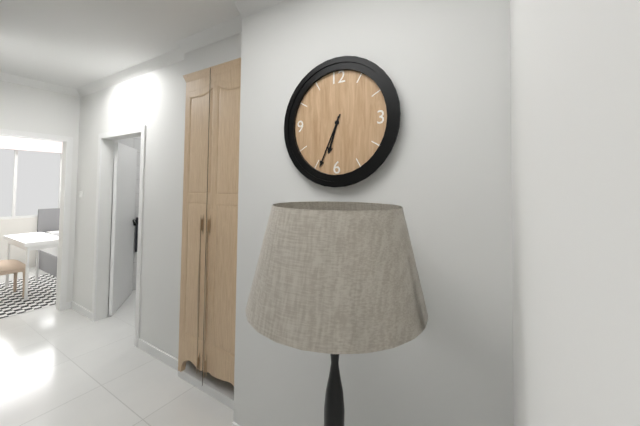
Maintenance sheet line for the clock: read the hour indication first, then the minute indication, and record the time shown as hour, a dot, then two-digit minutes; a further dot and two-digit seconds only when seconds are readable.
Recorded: 6.34
